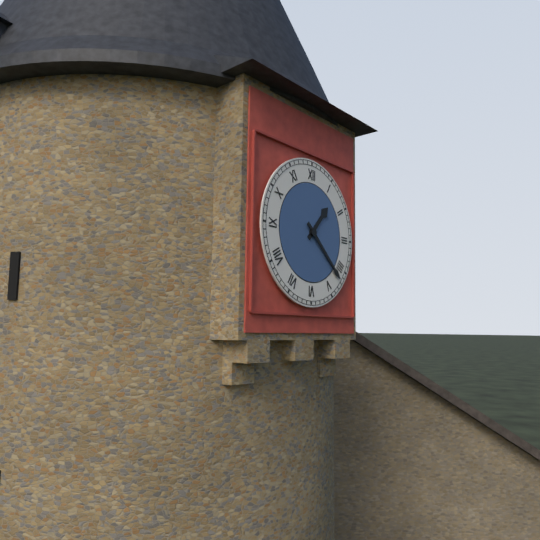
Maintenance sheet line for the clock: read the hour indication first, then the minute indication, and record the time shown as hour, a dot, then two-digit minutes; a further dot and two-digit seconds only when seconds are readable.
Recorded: 1.22
